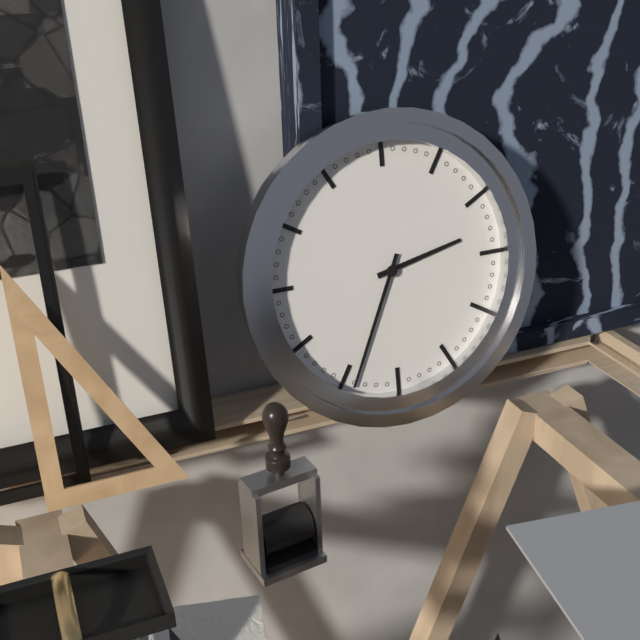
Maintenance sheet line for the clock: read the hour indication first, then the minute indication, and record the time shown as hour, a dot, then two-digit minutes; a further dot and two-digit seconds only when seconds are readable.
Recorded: 2.34
